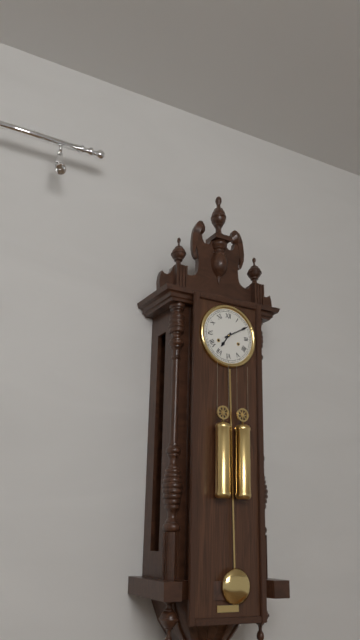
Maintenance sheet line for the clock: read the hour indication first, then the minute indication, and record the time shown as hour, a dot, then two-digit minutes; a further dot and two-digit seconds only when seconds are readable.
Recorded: 7.10
